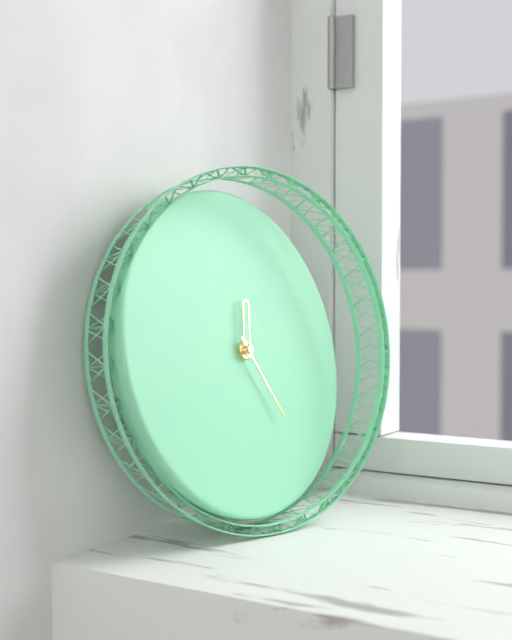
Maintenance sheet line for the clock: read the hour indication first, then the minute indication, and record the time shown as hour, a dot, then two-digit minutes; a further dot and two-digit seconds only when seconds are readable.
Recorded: 12.25
